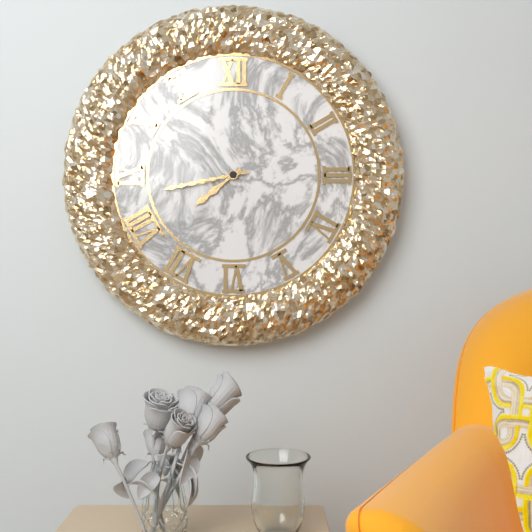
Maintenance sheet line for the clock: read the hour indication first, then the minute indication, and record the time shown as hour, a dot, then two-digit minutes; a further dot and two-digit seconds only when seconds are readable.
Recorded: 7.43
